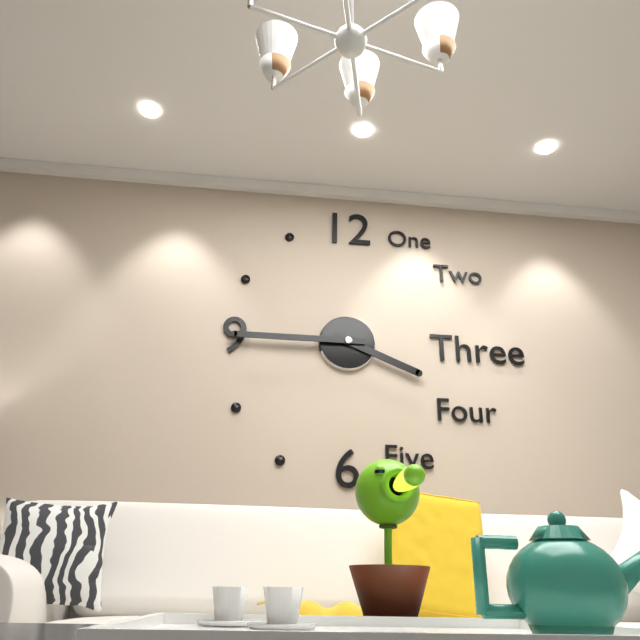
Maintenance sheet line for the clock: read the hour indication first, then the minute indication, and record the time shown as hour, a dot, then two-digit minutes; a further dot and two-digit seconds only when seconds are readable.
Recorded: 3.45
